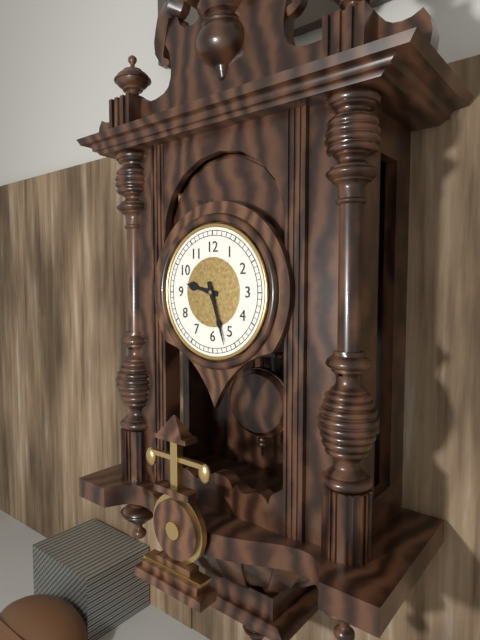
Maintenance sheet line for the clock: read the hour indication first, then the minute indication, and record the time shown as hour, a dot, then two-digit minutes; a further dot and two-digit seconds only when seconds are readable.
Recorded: 9.27
